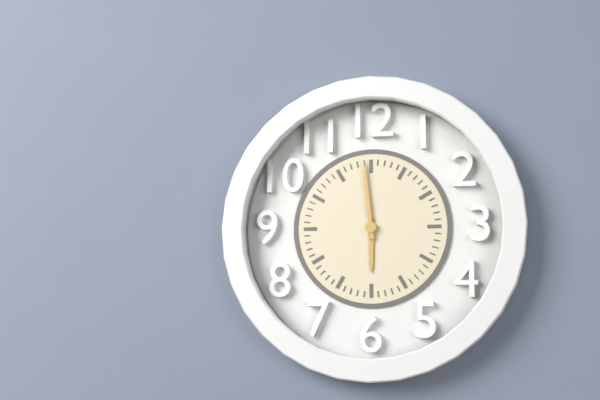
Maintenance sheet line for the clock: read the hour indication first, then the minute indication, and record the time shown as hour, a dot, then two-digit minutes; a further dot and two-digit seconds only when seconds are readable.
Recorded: 5.59
